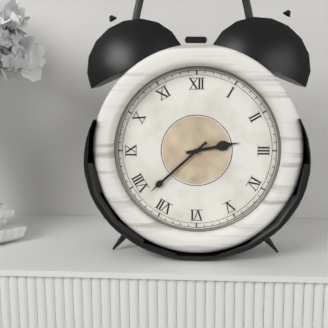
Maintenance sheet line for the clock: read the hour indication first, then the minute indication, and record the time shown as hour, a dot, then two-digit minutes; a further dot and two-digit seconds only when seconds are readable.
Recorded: 2.38
